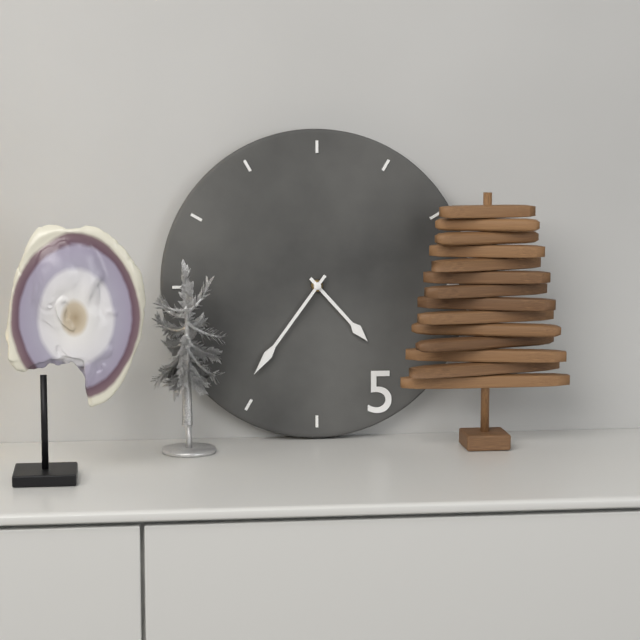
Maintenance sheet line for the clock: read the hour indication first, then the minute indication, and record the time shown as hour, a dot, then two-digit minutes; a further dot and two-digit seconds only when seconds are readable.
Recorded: 4.36
